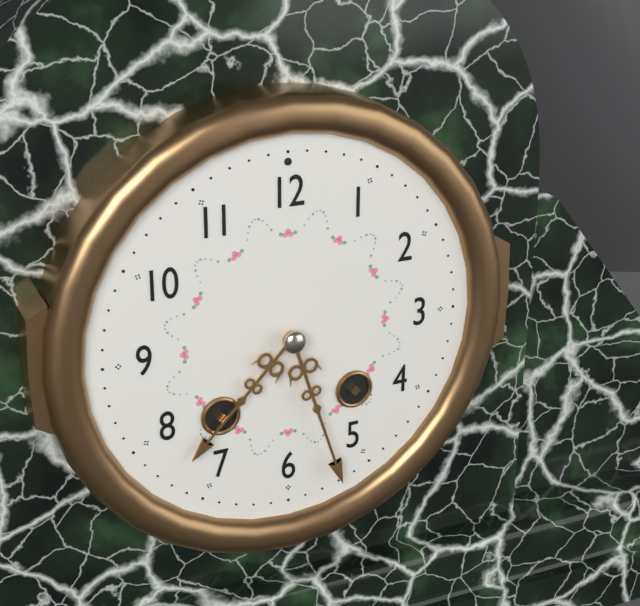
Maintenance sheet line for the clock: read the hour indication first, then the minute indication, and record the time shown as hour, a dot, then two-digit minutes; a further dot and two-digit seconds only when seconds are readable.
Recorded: 7.27
